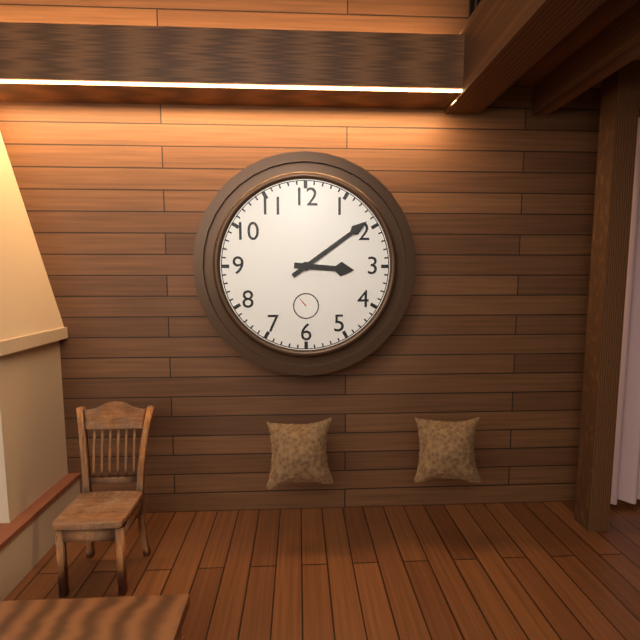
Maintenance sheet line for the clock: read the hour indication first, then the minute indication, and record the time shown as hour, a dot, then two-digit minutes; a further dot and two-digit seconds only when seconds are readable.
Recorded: 3.09
